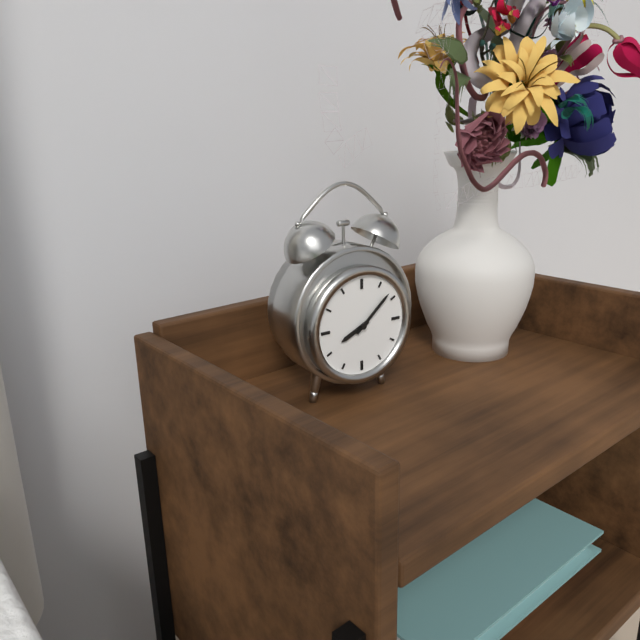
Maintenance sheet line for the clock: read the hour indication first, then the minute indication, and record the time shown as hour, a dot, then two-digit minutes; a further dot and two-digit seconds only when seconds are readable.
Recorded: 8.08
